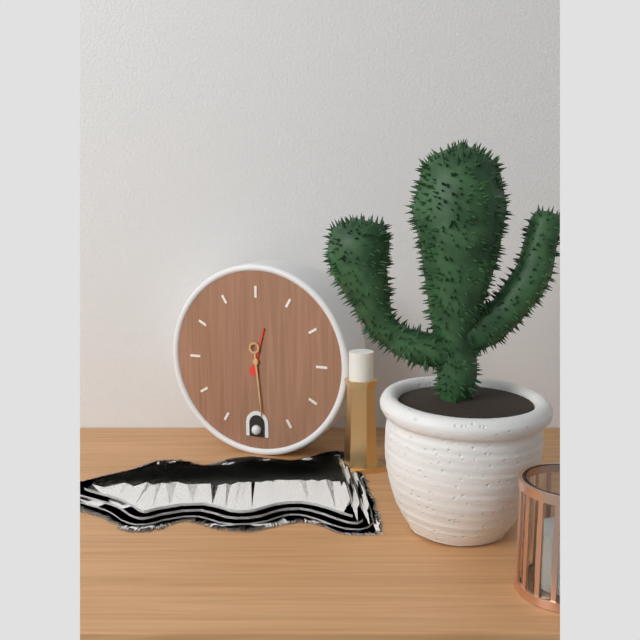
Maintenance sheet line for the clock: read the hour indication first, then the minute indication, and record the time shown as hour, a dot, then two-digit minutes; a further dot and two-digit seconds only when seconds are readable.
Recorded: 12.29
